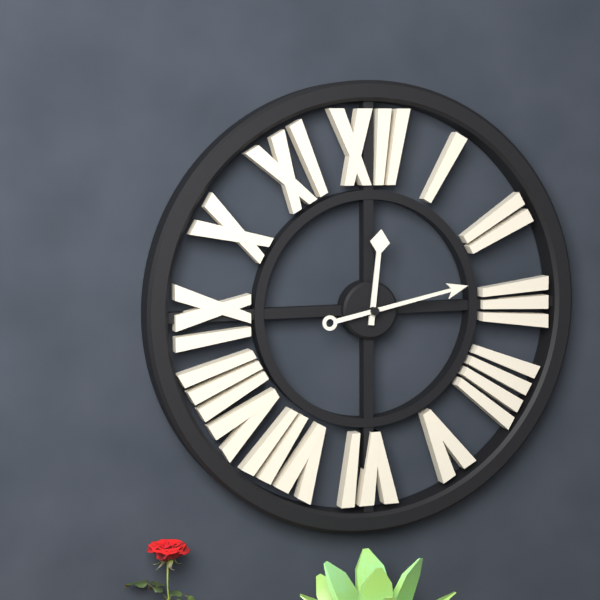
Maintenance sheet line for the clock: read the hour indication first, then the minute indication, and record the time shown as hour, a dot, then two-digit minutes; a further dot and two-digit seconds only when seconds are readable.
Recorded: 12.13
